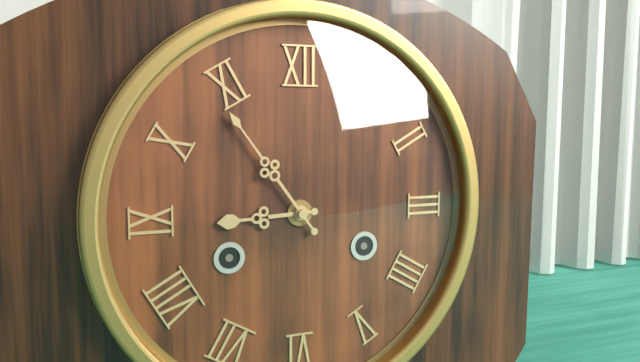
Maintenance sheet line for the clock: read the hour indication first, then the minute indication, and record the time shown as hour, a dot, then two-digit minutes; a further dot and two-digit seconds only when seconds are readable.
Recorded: 8.54
